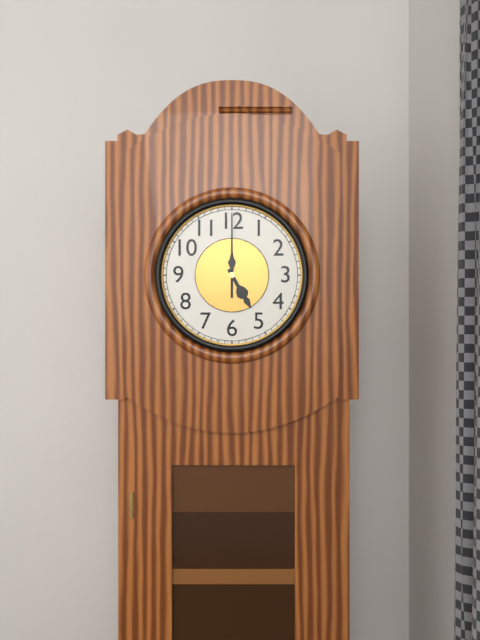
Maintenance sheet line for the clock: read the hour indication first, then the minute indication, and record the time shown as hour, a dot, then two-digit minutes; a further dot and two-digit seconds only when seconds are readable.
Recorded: 5.00
